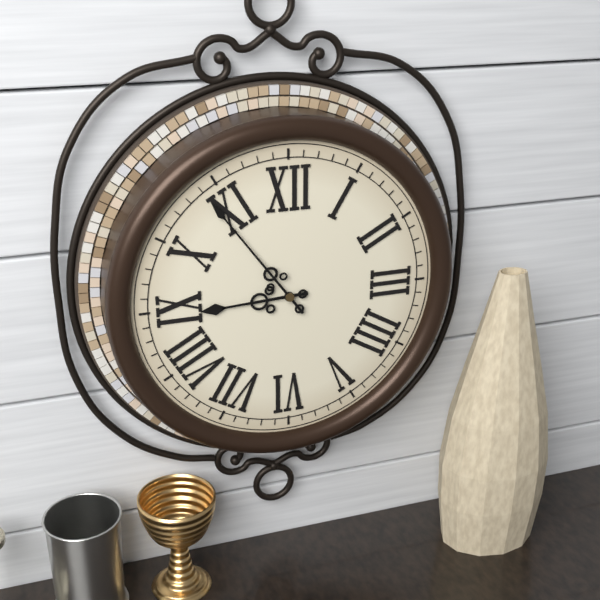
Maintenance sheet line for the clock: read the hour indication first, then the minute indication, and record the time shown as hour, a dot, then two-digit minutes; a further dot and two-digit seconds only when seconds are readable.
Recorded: 8.54
